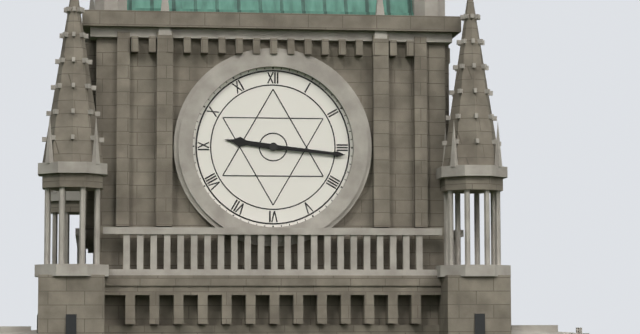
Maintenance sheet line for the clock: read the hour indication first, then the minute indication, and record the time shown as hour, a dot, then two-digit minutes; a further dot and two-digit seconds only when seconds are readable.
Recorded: 9.16
